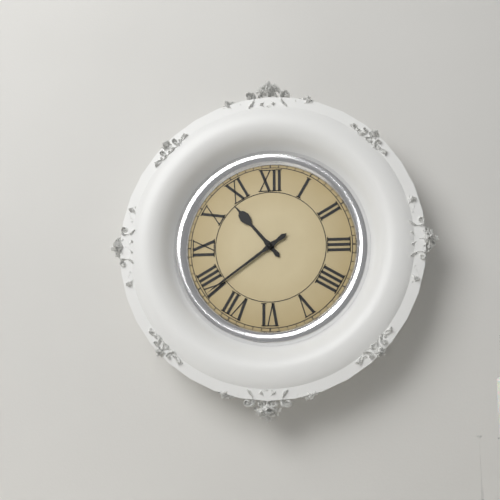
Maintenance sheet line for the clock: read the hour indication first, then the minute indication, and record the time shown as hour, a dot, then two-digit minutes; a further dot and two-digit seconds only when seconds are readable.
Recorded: 10.39
